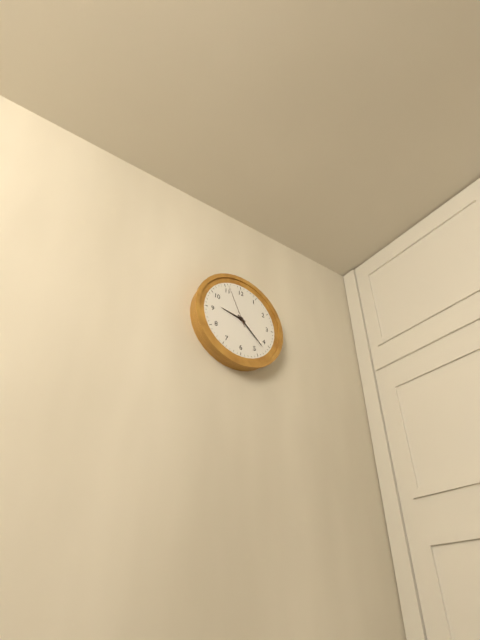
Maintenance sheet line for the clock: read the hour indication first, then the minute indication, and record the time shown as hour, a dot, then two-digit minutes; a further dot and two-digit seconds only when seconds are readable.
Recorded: 9.22
